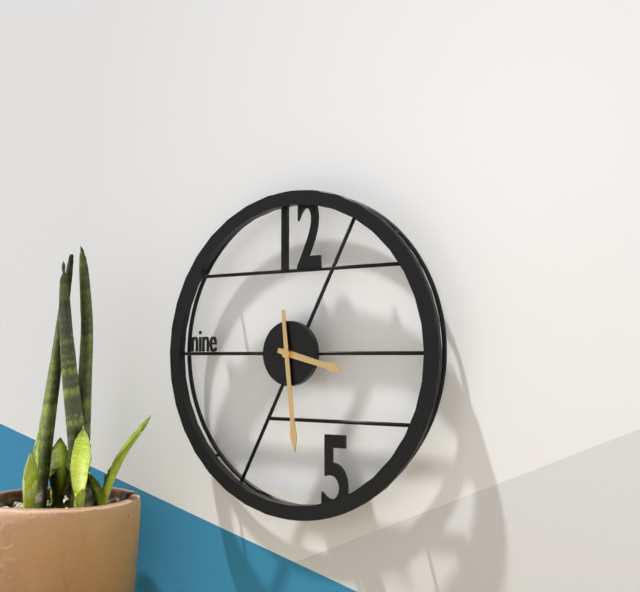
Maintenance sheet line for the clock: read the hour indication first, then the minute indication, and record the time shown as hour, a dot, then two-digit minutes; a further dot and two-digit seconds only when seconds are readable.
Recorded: 3.29
